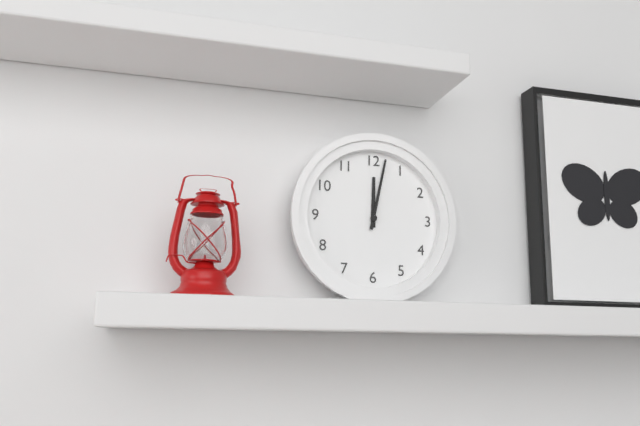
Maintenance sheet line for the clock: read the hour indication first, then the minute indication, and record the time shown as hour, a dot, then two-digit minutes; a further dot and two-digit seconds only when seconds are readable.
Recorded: 12.02
